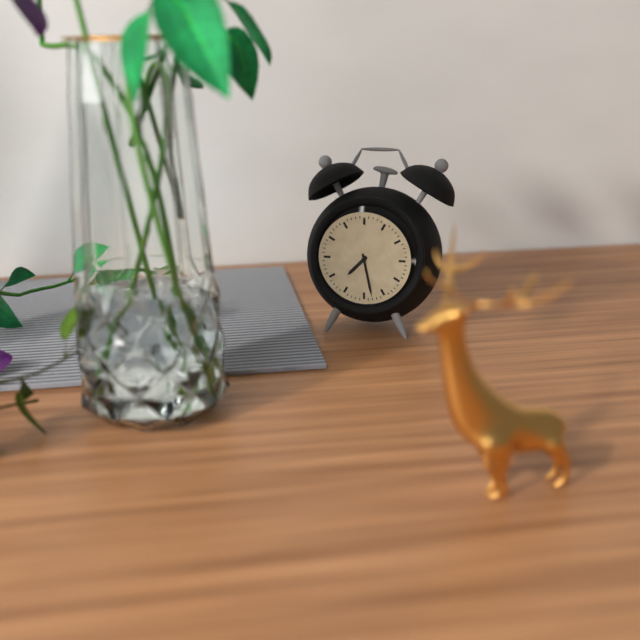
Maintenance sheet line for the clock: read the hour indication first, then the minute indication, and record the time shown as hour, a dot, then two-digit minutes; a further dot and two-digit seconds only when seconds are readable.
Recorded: 7.28
